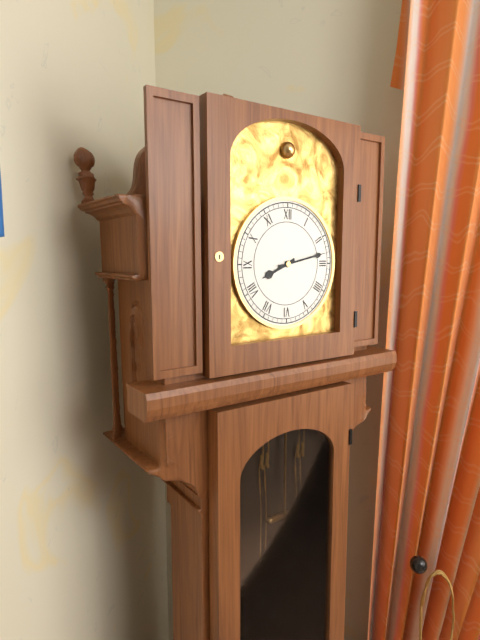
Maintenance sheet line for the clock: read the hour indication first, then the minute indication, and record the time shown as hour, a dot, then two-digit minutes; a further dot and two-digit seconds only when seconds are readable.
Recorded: 8.13
